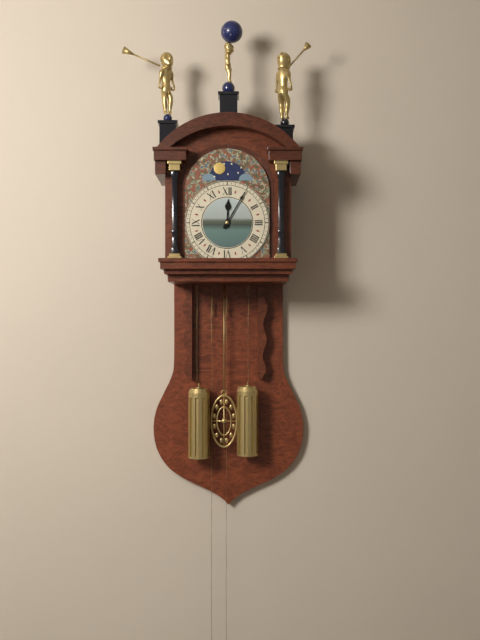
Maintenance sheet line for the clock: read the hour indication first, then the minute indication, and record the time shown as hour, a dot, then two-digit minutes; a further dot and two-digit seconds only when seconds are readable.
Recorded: 12.05
